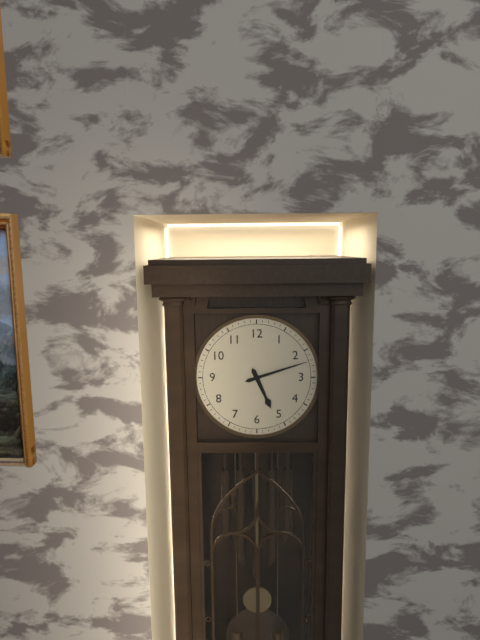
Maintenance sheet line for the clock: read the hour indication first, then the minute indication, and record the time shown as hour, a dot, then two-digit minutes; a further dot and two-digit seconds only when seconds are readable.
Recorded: 5.12
